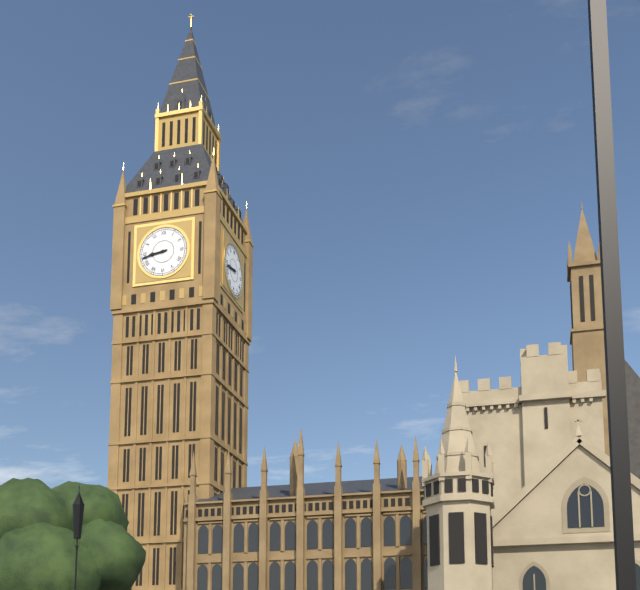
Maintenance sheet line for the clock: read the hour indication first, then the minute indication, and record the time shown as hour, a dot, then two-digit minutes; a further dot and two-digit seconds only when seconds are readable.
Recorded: 8.43
